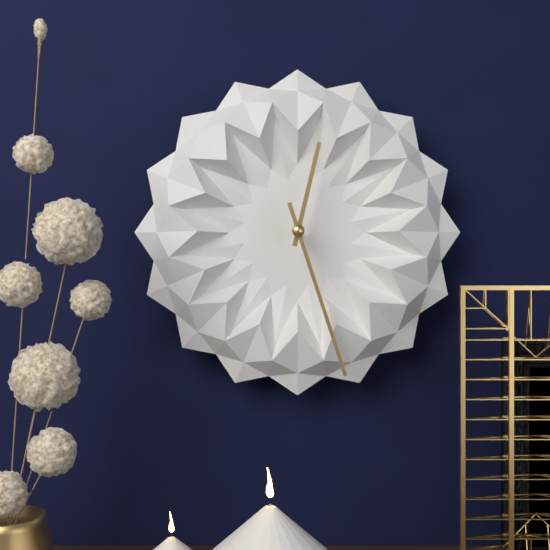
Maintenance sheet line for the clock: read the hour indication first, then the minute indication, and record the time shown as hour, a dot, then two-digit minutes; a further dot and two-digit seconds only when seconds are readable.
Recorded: 12.27
